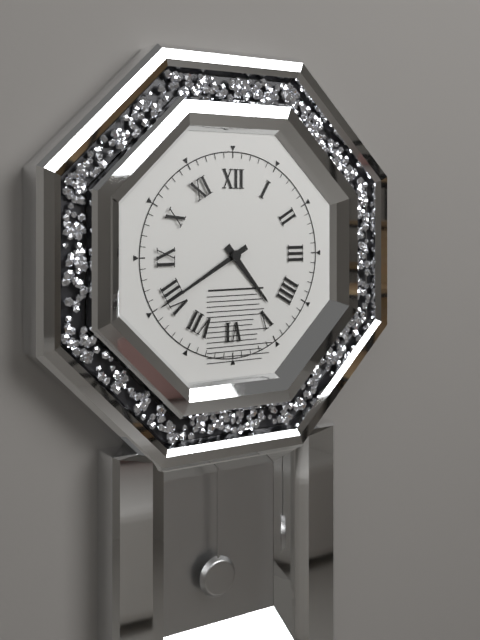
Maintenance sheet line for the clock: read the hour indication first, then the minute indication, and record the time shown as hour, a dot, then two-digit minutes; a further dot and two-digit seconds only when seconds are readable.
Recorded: 4.40
